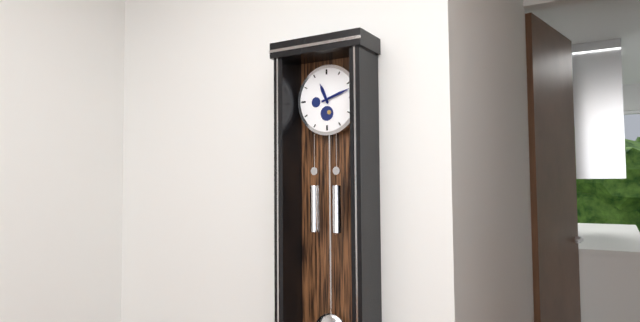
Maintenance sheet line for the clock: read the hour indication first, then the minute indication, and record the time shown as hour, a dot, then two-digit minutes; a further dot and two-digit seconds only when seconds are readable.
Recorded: 11.12
